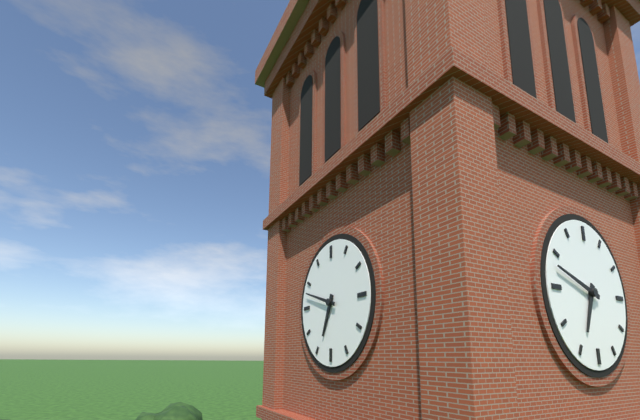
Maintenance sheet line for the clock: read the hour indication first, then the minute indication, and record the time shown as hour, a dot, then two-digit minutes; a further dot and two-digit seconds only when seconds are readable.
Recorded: 6.48
